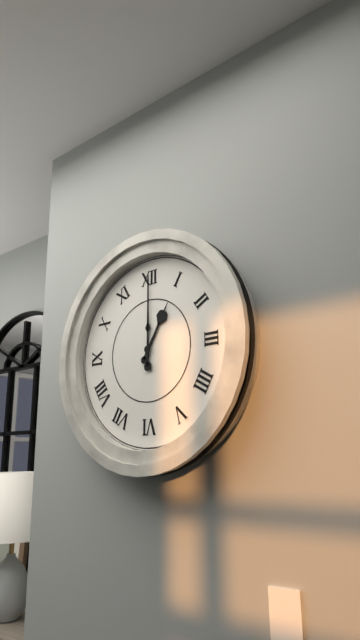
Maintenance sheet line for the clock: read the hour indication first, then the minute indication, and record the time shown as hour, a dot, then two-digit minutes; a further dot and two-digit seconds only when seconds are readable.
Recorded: 1.00
